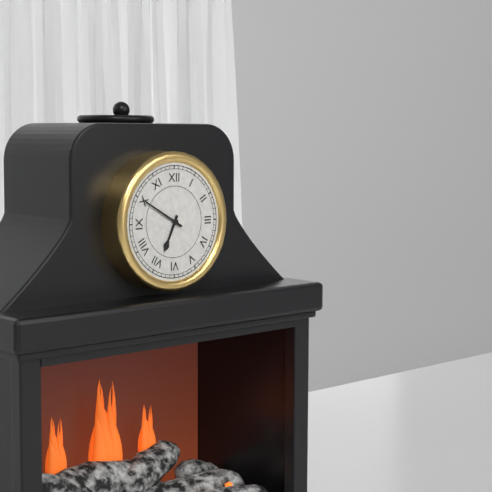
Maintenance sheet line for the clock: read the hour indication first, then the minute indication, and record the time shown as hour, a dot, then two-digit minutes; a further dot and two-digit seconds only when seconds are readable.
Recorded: 6.50
